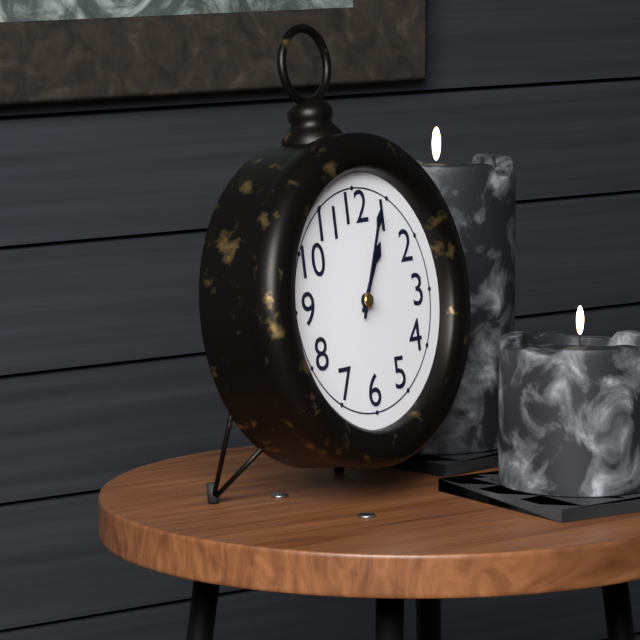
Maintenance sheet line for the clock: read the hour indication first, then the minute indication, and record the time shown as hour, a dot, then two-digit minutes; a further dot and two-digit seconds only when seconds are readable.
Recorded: 1.04
